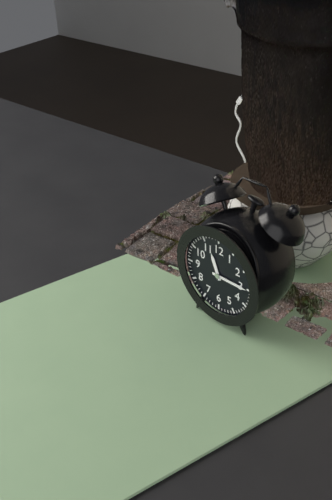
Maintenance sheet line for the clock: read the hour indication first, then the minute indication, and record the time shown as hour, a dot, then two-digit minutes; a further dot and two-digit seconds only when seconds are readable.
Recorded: 11.15
